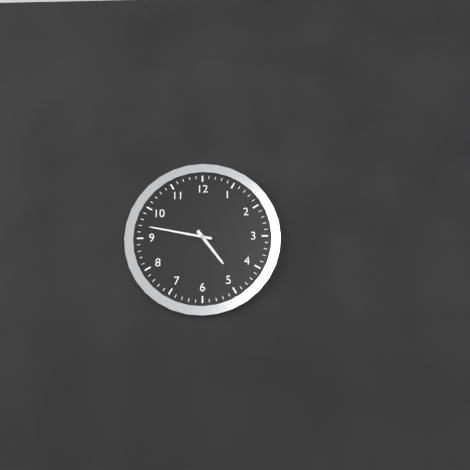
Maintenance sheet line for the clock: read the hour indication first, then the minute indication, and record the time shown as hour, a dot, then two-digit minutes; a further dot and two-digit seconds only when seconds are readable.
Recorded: 4.47
